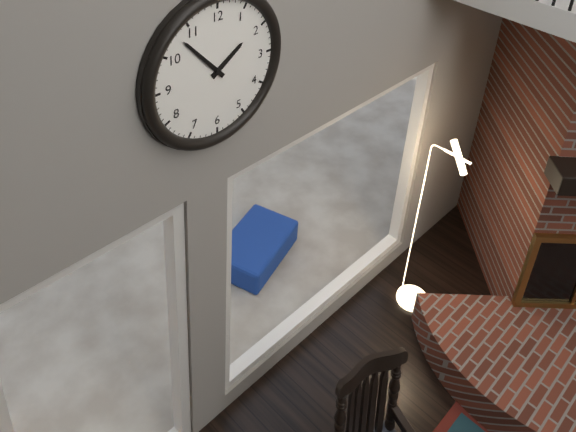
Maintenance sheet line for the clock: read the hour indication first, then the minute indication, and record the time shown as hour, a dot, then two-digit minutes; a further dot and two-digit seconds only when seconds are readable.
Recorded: 1.53
